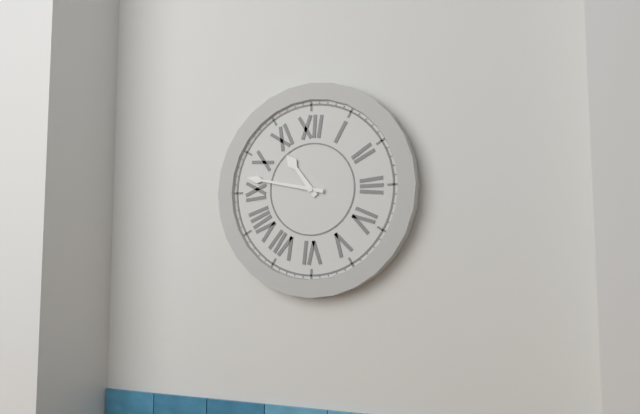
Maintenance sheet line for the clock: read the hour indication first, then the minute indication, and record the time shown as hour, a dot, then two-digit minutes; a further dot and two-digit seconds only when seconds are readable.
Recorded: 10.47
